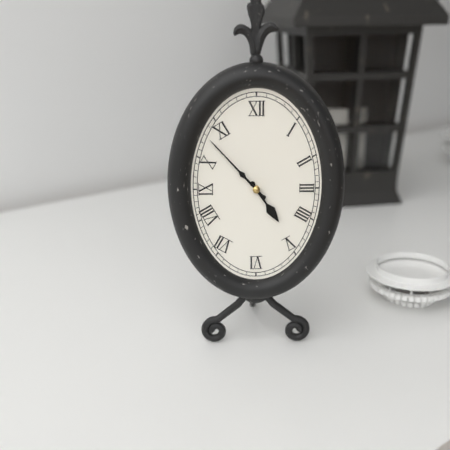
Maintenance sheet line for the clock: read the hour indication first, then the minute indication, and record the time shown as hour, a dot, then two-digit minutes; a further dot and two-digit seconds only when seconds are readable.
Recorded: 4.53
